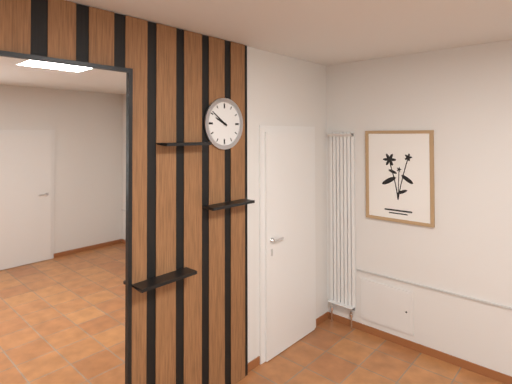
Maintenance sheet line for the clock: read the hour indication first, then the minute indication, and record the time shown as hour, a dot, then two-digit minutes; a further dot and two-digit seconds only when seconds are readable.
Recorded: 9.51
